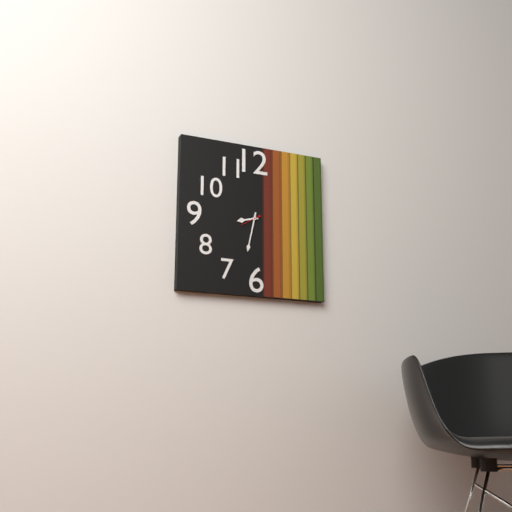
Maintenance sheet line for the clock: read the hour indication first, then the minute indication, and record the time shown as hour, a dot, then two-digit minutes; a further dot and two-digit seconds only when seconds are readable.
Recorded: 8.32
